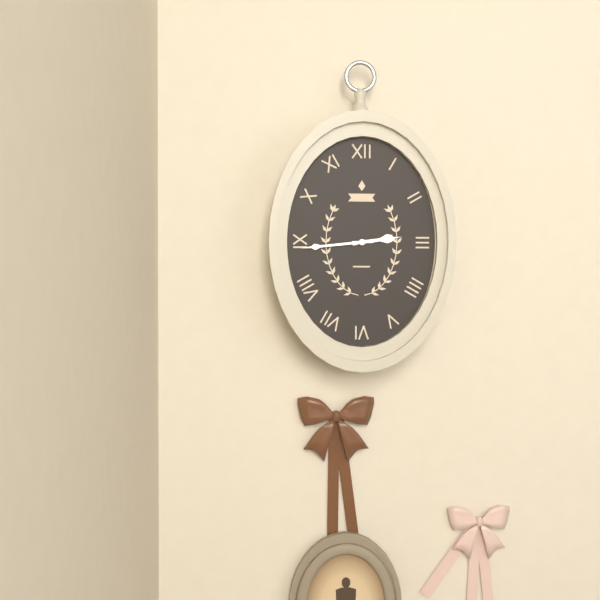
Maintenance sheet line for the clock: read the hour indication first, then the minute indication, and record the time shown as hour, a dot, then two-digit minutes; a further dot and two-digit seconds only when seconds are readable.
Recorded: 2.44
